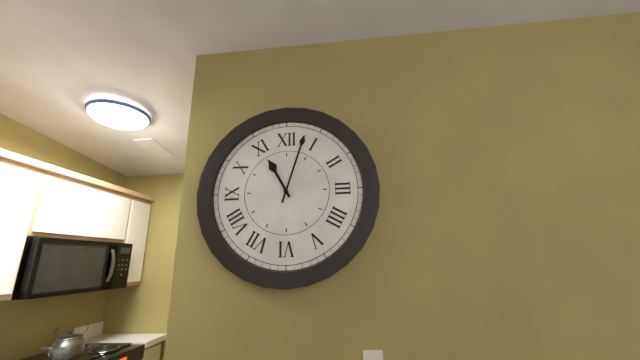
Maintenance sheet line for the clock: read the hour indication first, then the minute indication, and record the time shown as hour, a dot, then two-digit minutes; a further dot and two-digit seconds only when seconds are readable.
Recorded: 11.03
